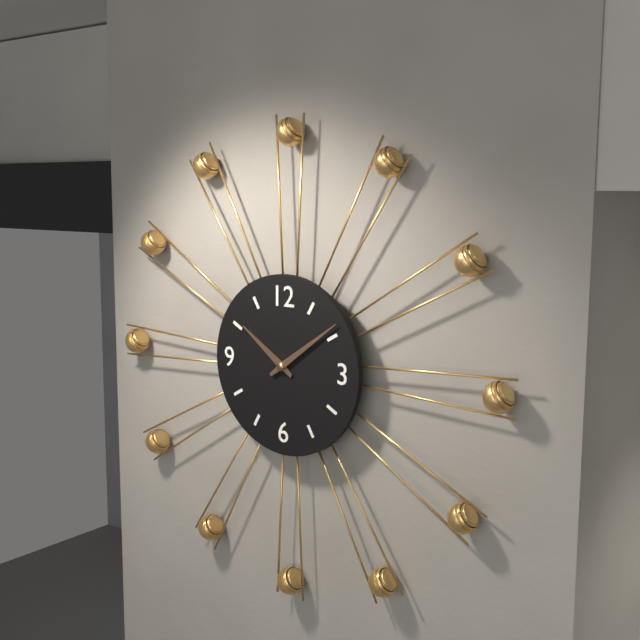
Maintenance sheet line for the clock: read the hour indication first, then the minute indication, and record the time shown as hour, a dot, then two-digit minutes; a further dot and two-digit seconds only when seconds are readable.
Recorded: 10.09
